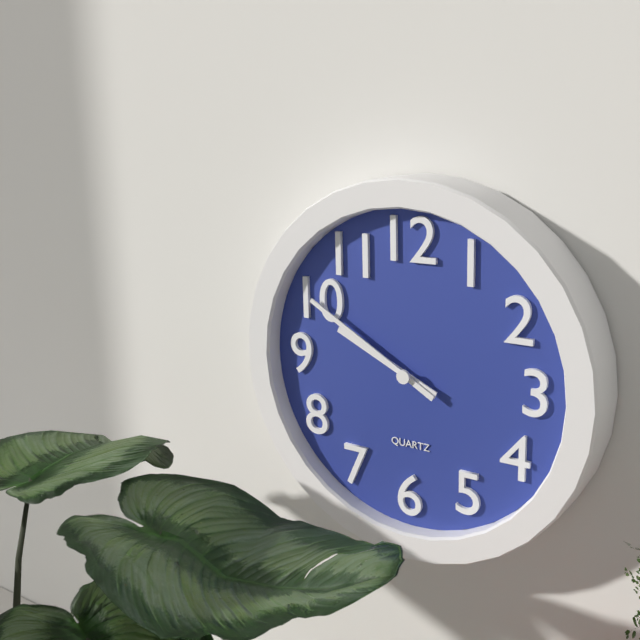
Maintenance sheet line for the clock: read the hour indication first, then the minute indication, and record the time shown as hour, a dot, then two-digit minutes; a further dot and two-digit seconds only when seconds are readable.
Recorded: 9.50
